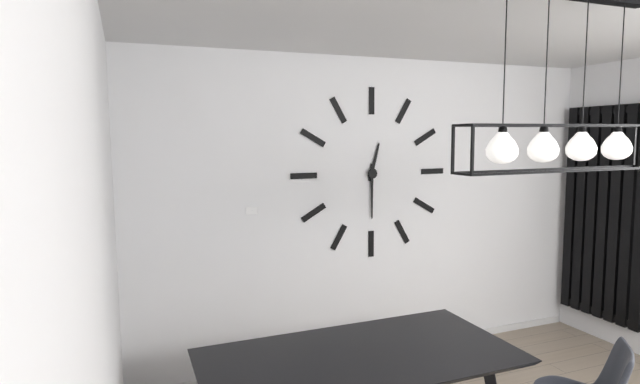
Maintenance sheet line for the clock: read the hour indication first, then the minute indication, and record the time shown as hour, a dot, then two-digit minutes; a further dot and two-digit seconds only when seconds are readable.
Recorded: 12.30
